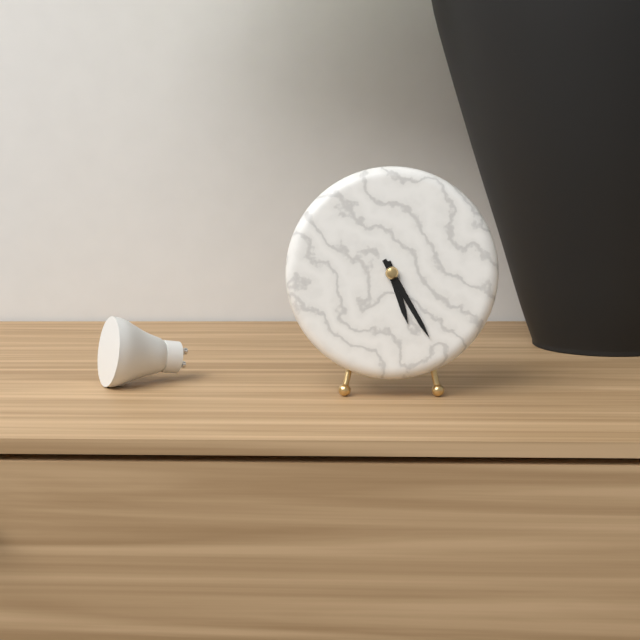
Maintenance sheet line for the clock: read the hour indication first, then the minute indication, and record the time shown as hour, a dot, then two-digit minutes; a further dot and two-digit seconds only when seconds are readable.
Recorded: 5.25
